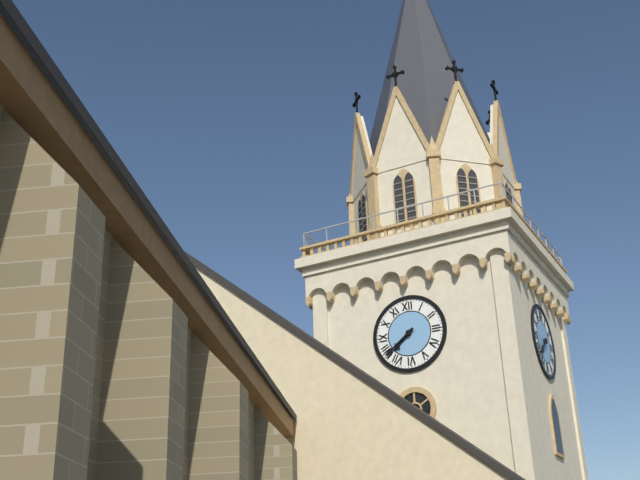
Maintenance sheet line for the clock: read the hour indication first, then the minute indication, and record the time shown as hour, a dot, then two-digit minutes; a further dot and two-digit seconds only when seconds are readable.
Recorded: 7.39
